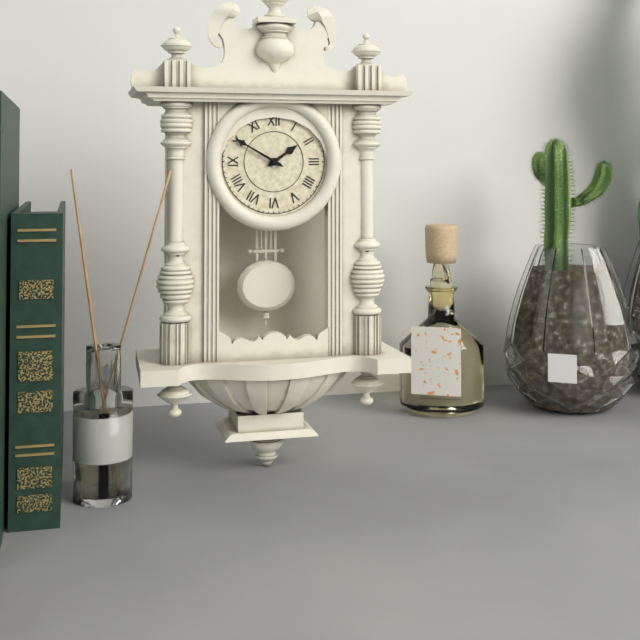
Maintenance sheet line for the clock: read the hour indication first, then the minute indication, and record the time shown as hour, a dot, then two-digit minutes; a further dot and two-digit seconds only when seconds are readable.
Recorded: 1.50
